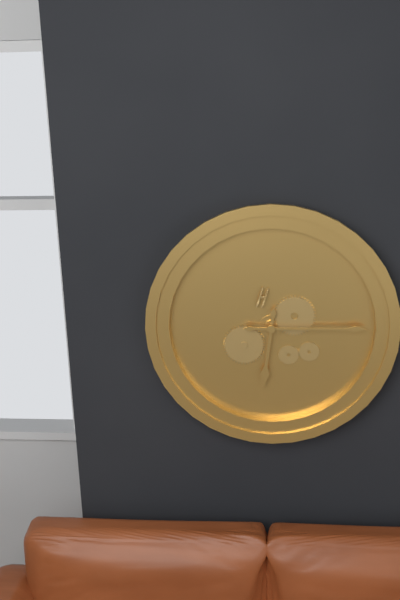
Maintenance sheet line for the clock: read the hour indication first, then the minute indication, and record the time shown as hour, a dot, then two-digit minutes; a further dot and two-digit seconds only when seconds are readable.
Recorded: 6.15
